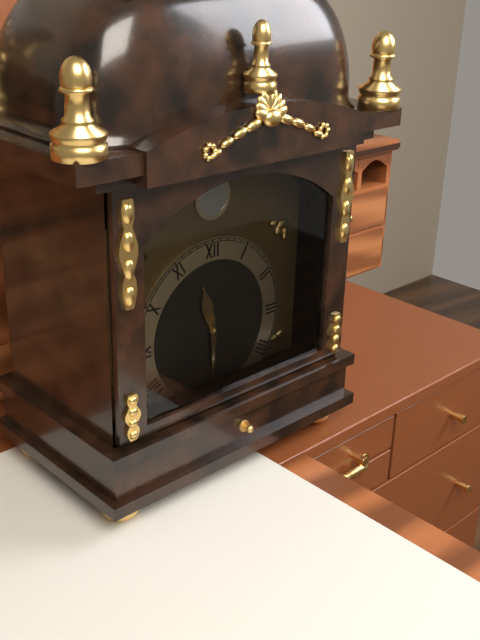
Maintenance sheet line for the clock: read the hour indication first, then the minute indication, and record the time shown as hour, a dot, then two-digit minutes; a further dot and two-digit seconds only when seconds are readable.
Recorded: 11.30
